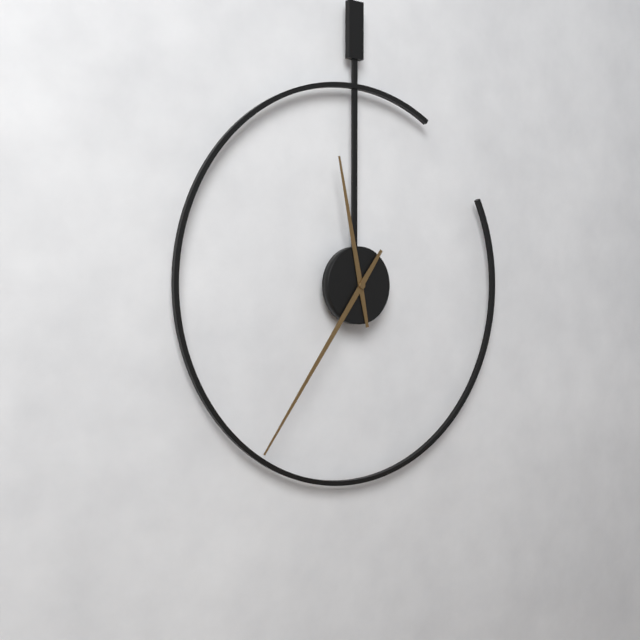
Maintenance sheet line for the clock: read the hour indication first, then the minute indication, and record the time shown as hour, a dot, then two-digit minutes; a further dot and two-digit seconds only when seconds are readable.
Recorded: 11.36
